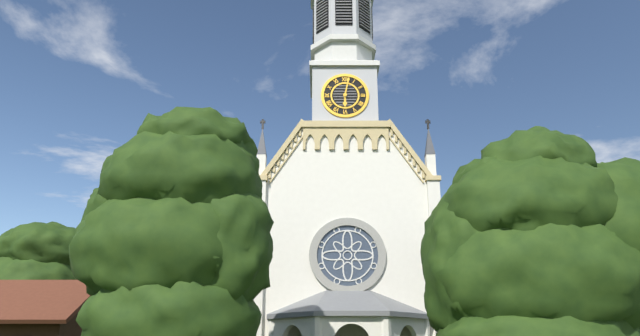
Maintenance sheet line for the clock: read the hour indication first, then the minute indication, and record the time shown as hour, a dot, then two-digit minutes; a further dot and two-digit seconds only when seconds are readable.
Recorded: 6.02
